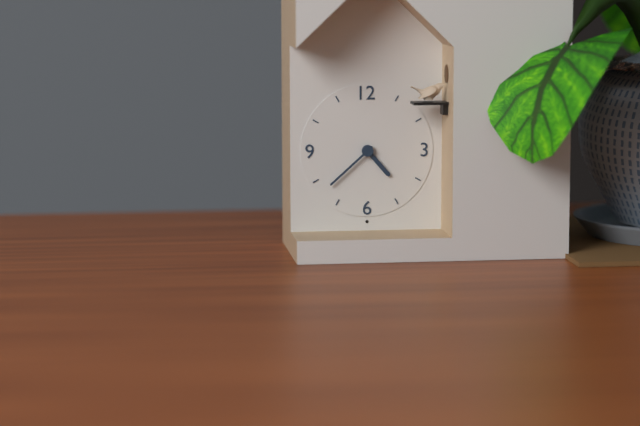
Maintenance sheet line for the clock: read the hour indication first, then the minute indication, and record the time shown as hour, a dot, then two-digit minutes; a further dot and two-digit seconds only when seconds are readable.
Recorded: 4.38
